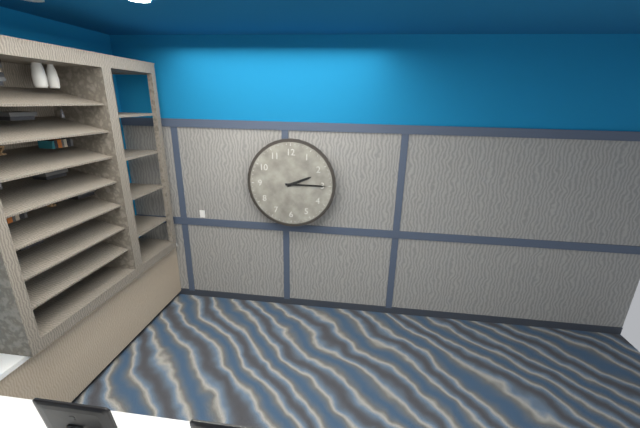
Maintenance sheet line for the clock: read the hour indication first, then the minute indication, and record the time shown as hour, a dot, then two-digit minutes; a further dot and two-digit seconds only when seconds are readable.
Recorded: 2.15
